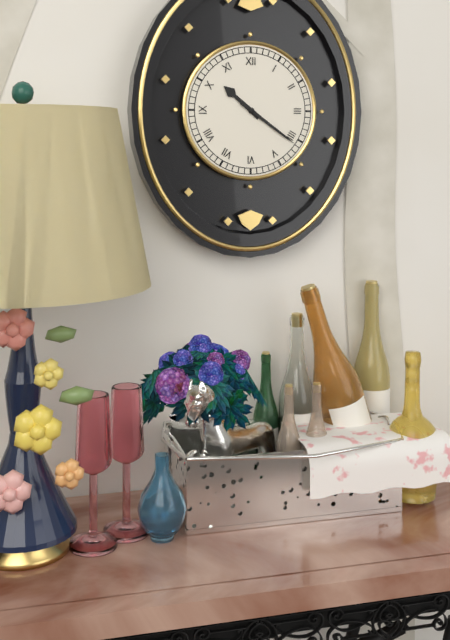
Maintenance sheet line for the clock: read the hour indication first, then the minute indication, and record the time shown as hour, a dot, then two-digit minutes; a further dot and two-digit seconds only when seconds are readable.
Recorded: 10.21
